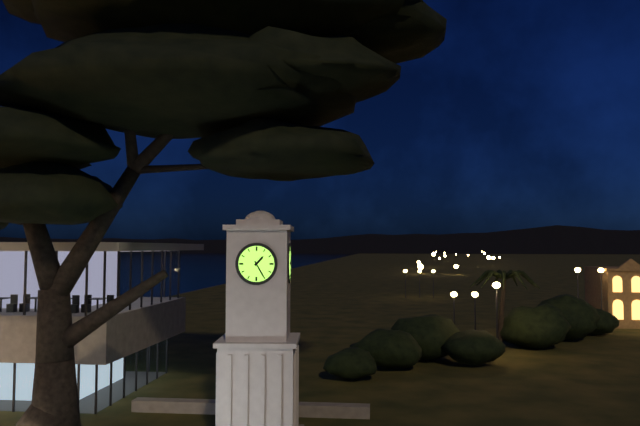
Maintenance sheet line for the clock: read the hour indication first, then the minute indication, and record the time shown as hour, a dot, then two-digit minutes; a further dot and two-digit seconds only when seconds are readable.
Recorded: 1.25
